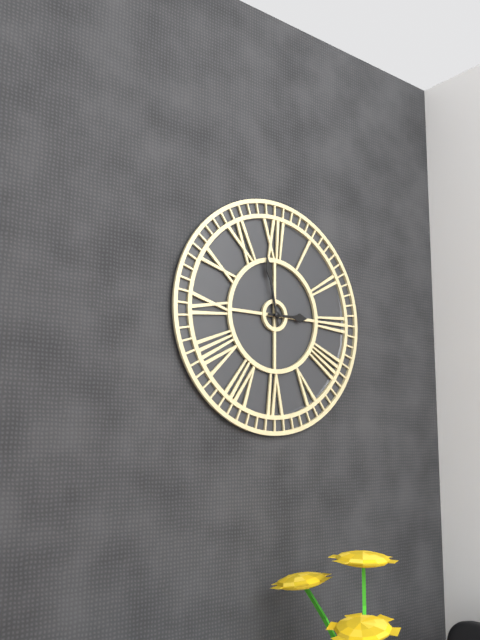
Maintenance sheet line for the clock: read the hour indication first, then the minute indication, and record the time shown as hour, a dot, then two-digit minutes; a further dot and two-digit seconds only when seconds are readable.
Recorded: 2.58
